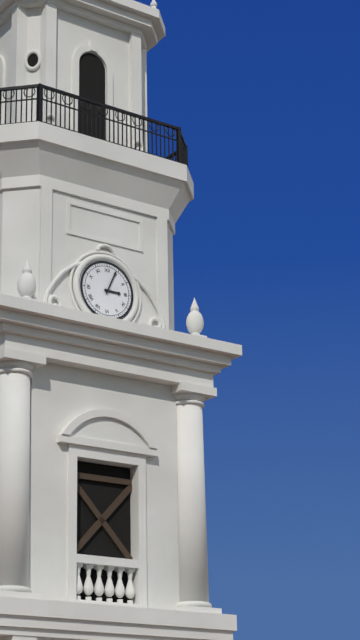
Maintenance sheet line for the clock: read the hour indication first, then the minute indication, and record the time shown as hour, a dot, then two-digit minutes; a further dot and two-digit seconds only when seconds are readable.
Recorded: 3.04
